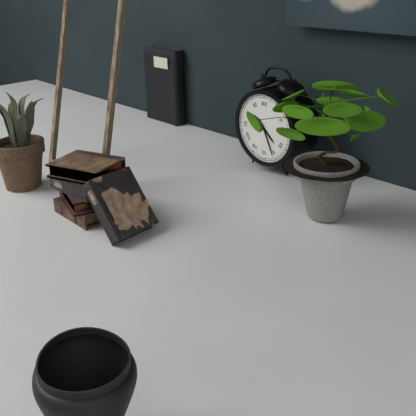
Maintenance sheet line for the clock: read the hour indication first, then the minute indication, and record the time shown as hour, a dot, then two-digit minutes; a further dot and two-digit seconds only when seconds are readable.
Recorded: 4.26
